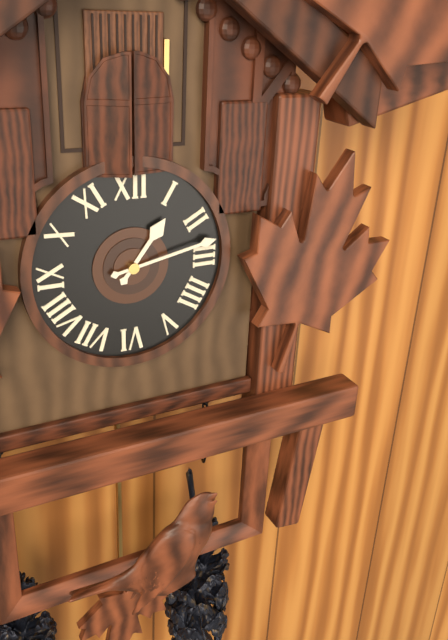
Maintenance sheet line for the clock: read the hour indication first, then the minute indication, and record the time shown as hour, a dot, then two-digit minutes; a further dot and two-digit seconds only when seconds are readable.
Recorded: 1.13
